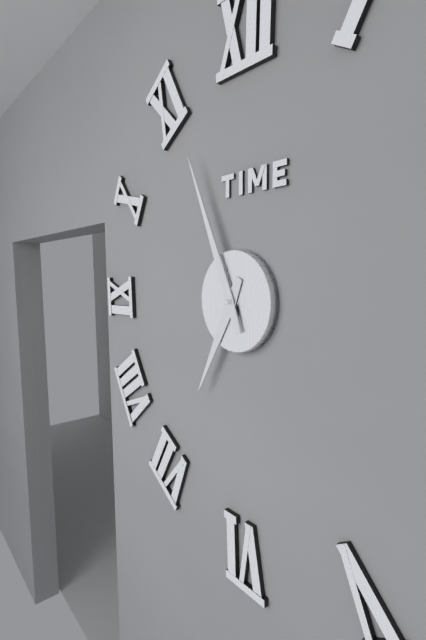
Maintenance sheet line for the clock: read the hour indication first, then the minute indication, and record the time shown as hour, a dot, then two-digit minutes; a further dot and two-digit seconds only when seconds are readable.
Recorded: 6.56
